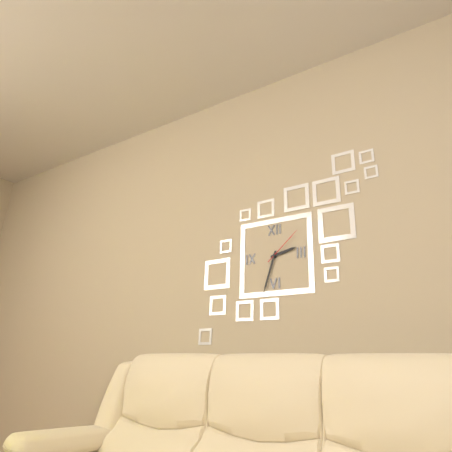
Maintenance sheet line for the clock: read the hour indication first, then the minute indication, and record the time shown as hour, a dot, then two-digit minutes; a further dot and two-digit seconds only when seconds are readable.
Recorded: 2.33
